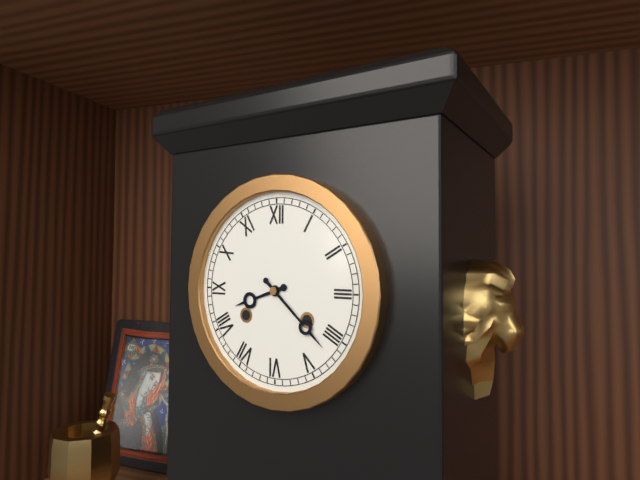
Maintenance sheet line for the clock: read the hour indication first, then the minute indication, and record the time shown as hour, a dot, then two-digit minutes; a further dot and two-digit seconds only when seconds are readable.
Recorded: 8.22
